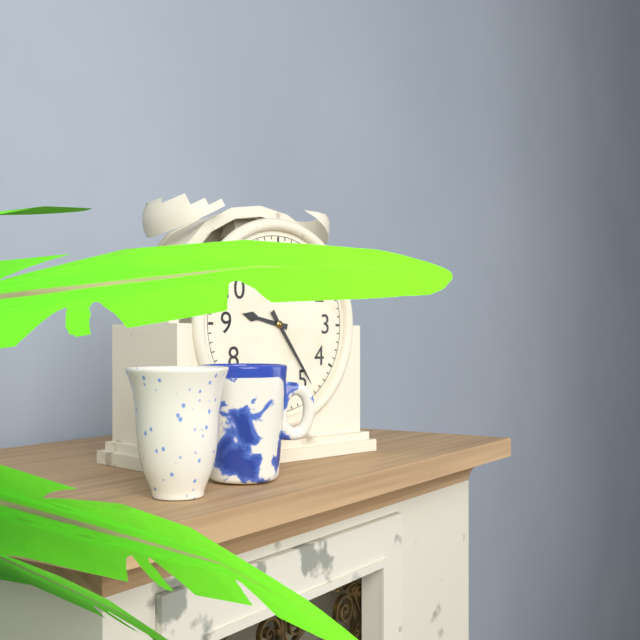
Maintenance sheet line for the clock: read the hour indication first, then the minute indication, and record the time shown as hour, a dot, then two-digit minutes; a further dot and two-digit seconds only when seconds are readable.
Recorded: 9.24
